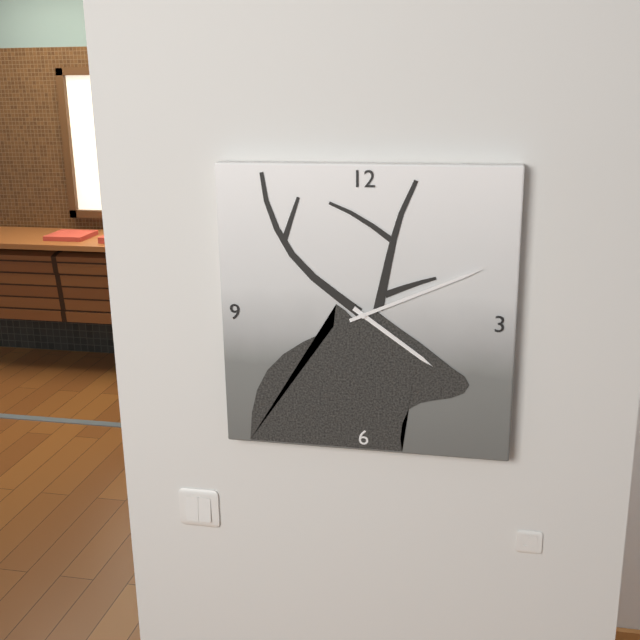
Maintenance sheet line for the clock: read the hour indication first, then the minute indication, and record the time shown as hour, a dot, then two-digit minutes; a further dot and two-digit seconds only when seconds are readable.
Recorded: 4.11
